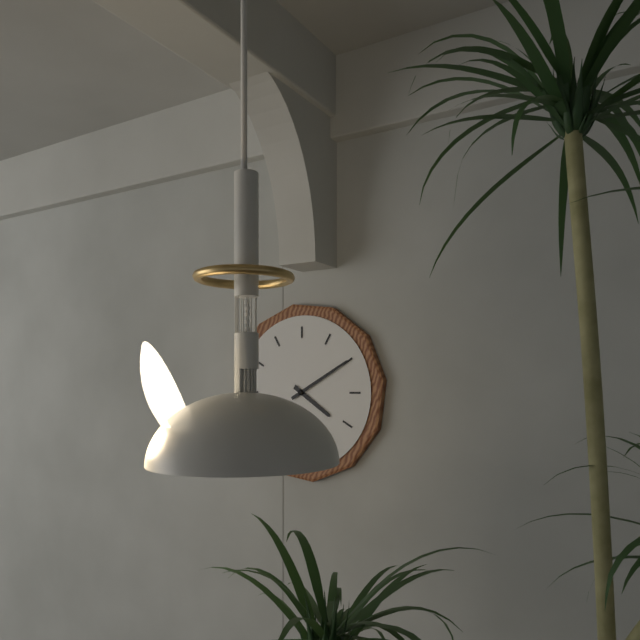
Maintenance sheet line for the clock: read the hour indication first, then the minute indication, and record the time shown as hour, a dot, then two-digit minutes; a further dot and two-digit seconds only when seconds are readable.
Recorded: 4.10
